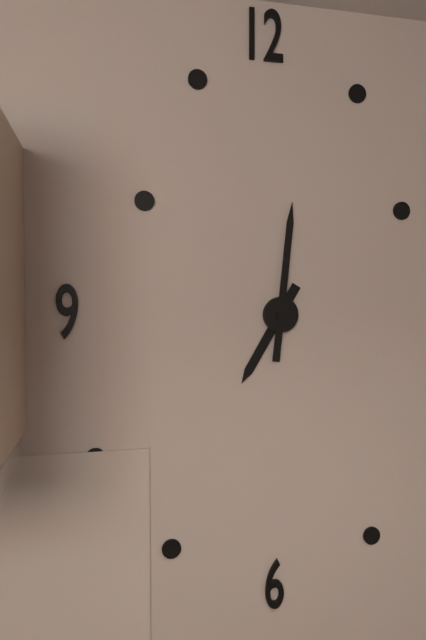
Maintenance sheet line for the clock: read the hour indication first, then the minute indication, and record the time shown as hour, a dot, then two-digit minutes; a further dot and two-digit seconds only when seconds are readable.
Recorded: 7.01
